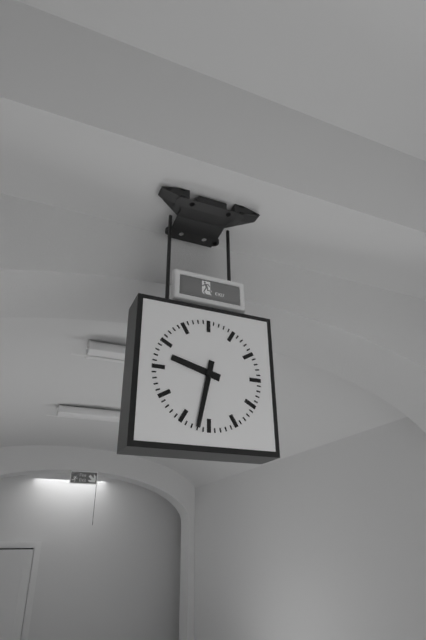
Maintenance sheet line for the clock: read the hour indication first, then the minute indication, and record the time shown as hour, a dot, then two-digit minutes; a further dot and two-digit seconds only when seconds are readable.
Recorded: 9.32
